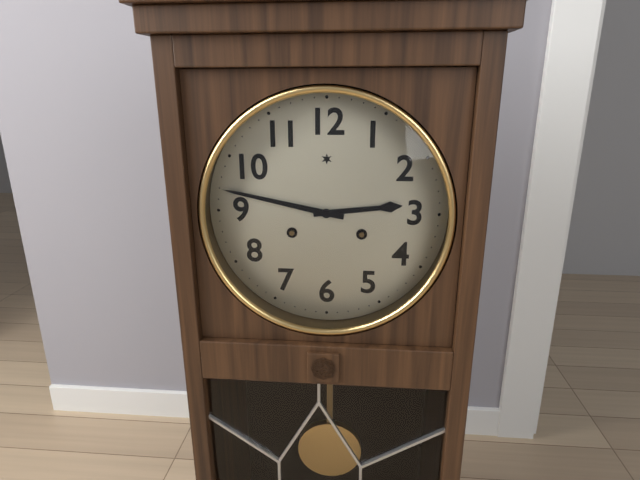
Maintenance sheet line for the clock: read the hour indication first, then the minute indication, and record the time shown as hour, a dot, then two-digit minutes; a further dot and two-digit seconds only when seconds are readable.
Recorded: 2.47
